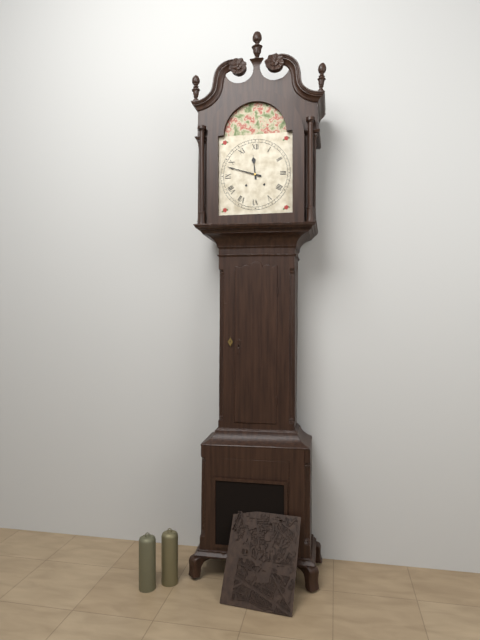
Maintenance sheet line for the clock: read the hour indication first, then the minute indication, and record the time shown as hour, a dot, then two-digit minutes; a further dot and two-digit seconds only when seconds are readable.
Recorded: 11.48
